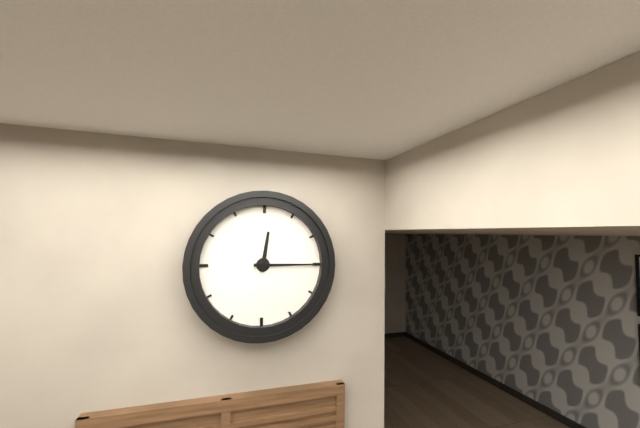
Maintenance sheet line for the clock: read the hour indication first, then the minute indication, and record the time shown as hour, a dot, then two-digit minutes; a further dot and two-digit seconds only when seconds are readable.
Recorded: 12.15
